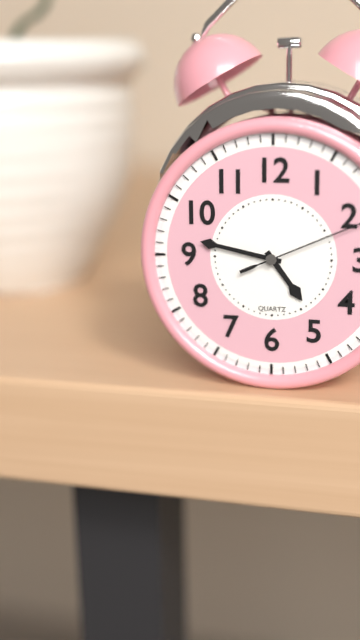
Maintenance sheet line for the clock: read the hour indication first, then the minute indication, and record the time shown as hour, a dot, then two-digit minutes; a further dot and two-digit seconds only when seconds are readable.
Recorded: 4.47
